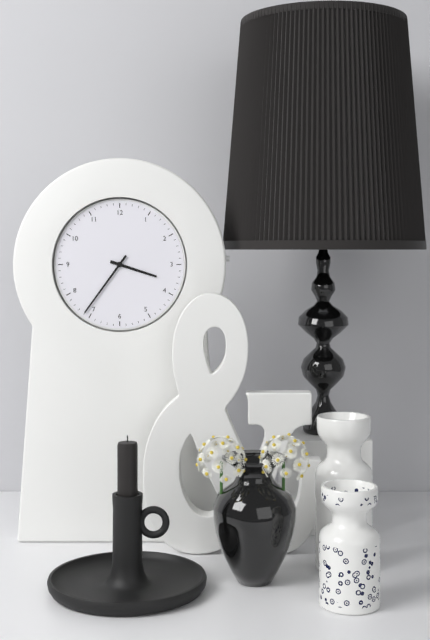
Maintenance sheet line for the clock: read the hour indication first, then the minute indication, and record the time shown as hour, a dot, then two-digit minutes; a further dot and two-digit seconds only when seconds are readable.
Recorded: 3.36
